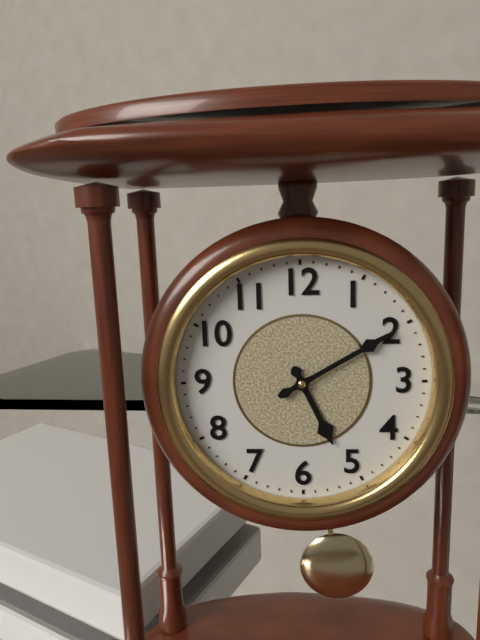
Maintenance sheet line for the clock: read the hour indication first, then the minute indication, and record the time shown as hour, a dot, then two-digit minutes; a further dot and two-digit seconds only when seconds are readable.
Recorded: 5.10
